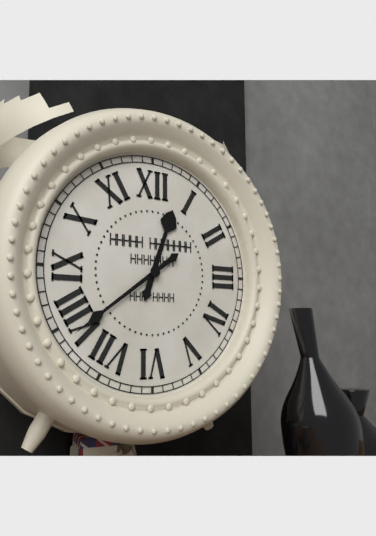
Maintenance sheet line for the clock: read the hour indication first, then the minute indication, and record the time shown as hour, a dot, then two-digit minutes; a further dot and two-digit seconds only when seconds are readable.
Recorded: 12.39
